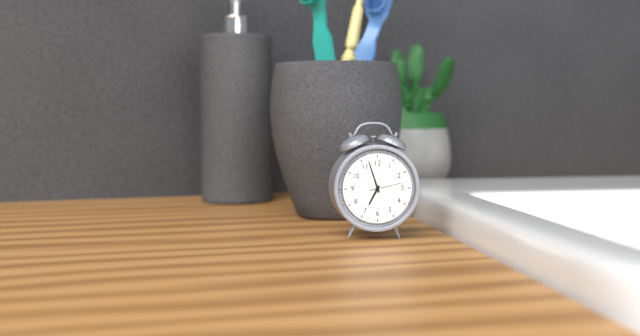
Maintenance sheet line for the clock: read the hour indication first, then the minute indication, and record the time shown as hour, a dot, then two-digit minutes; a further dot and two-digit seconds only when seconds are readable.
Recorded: 6.57
